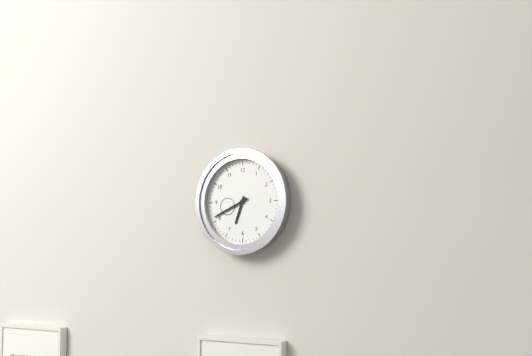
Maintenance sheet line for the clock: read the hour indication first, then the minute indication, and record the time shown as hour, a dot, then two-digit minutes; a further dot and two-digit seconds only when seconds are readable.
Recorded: 6.41
